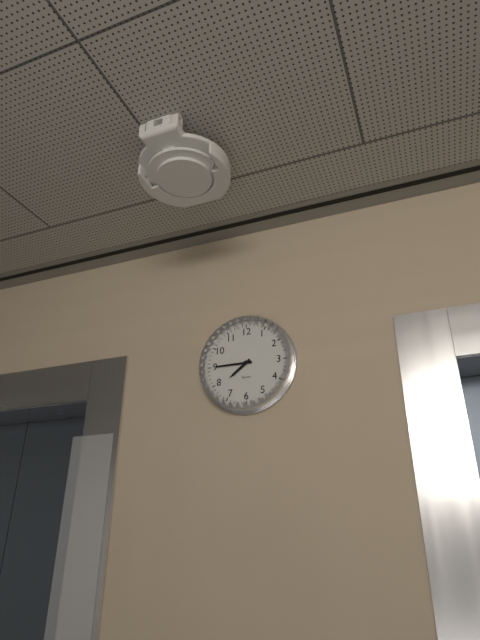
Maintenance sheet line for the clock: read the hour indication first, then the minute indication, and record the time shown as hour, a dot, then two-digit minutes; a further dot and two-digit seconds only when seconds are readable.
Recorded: 7.45
